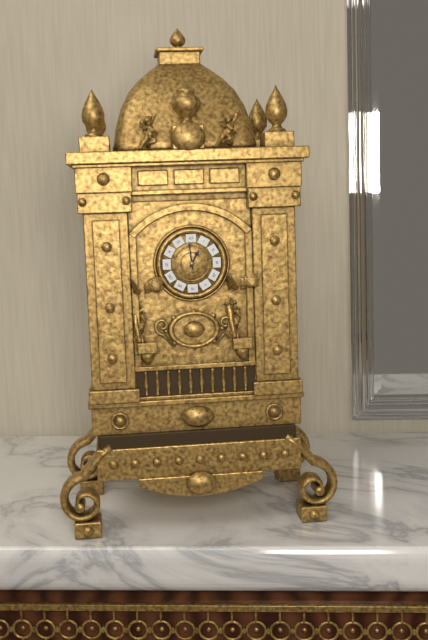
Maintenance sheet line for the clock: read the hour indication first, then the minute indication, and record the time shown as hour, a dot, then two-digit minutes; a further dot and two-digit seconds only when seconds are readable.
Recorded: 12.59
